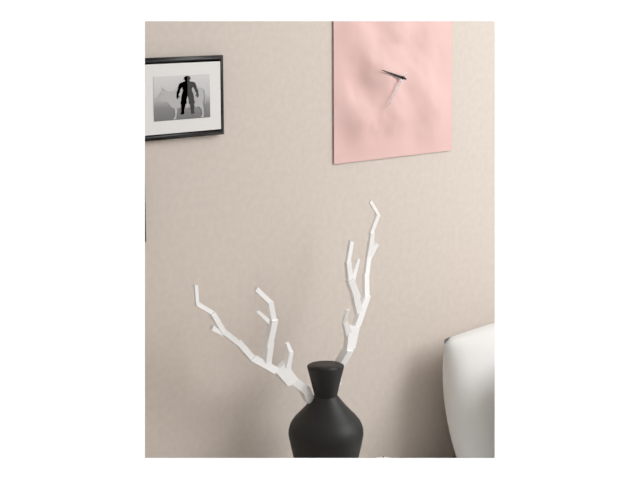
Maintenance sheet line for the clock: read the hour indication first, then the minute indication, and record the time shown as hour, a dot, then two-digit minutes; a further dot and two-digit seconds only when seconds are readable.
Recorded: 9.36
